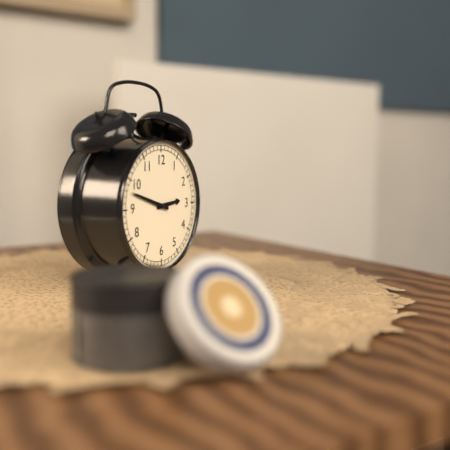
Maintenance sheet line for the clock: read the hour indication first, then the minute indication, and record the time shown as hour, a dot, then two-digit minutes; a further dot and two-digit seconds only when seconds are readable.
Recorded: 2.48
